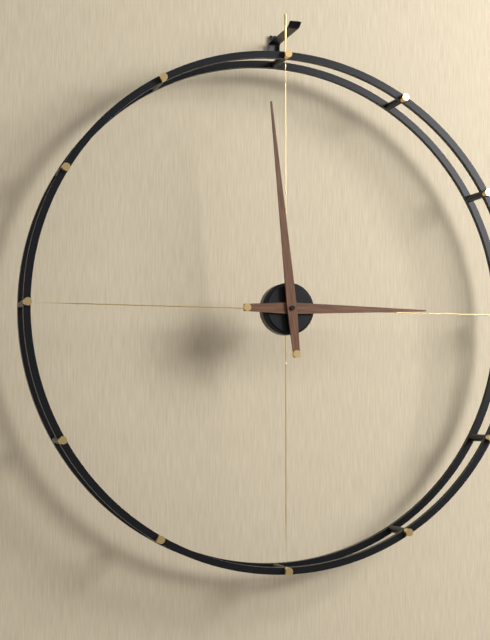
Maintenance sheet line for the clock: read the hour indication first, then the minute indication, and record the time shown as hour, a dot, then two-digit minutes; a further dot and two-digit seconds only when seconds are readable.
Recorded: 2.59
